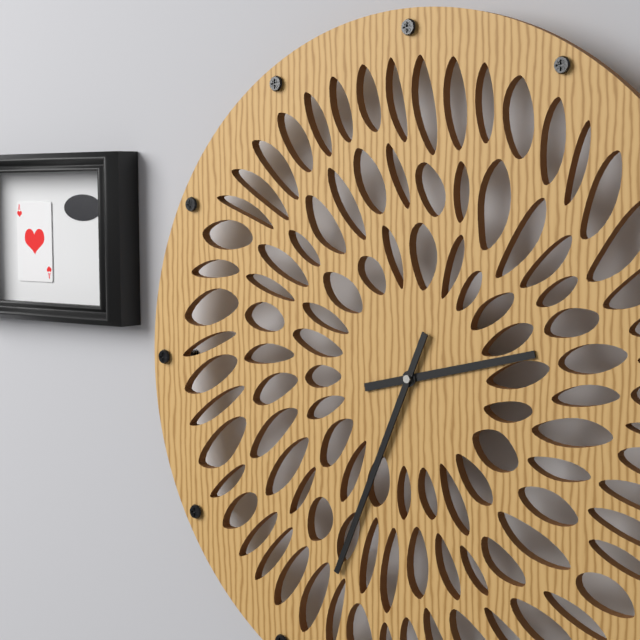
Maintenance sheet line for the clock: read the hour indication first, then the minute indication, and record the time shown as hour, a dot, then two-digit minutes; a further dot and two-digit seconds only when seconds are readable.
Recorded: 2.34
